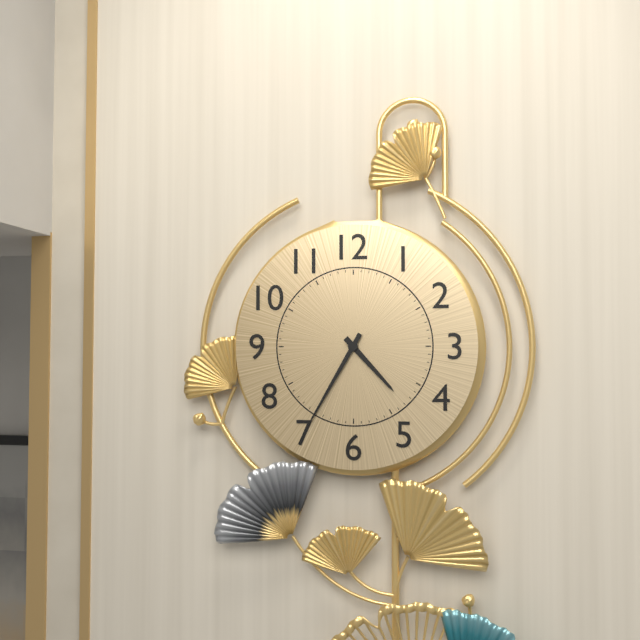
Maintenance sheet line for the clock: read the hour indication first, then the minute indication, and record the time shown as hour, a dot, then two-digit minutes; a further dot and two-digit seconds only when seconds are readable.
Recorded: 4.35
